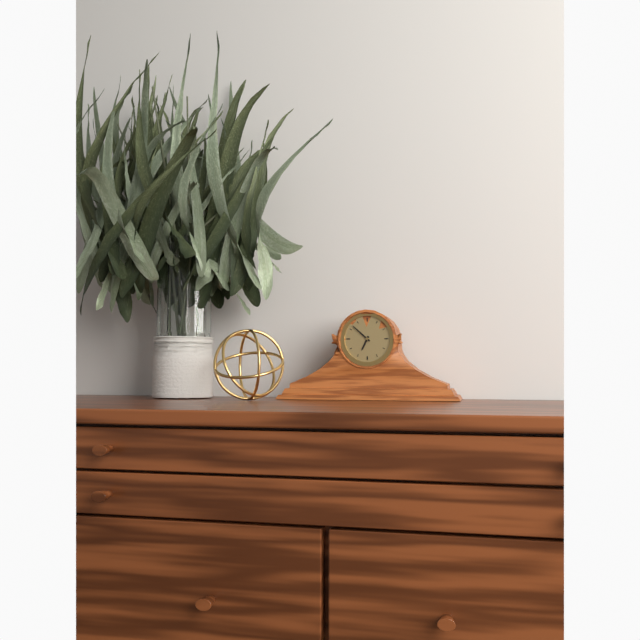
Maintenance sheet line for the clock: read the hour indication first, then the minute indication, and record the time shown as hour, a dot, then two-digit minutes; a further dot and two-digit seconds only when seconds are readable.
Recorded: 6.52
